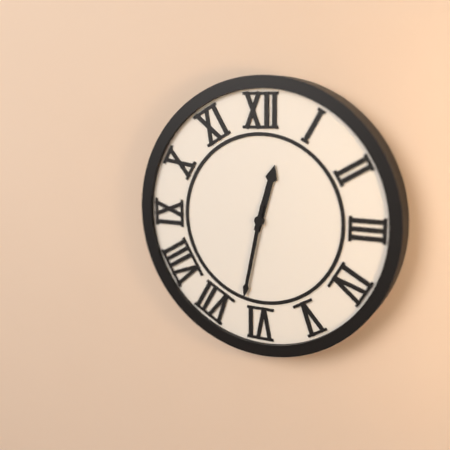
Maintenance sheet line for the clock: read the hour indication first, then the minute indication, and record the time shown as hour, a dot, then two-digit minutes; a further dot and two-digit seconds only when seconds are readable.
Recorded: 12.32
